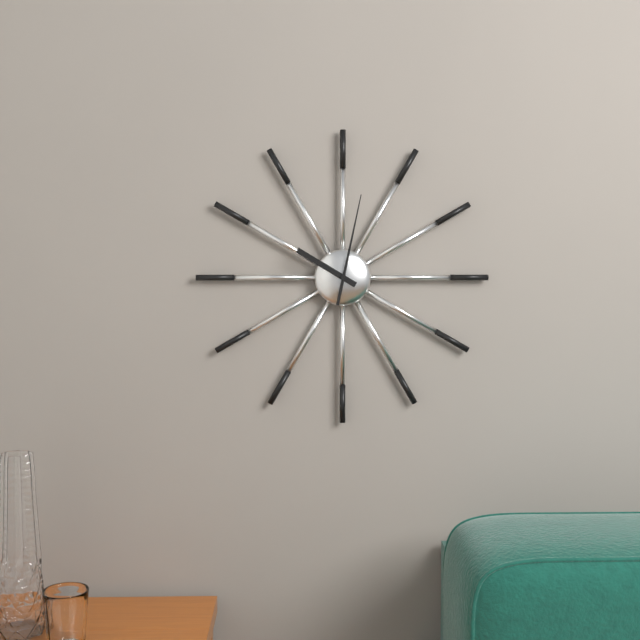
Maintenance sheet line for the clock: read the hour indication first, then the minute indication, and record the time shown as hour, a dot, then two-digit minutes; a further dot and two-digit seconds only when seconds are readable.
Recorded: 10.02
